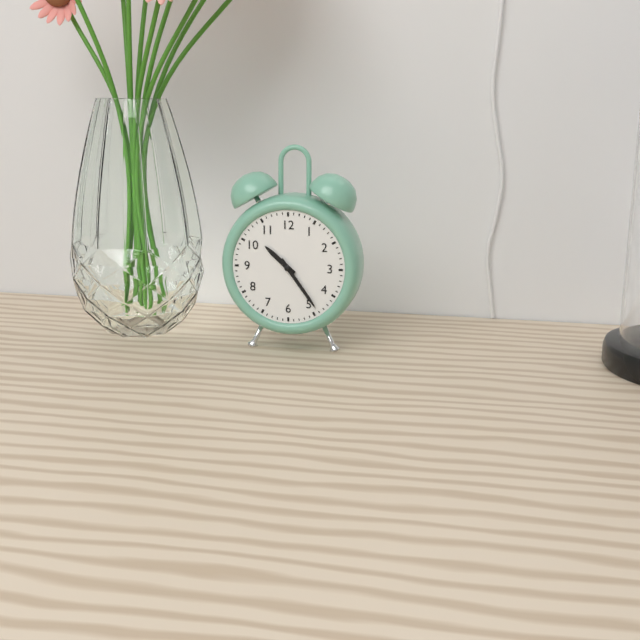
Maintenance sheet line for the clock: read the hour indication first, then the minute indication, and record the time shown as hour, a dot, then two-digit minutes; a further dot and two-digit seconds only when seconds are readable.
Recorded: 10.24
